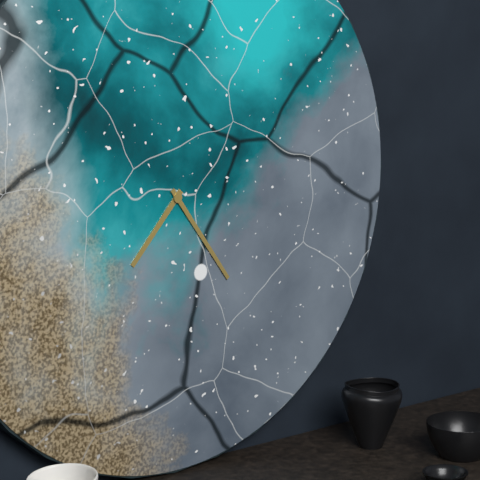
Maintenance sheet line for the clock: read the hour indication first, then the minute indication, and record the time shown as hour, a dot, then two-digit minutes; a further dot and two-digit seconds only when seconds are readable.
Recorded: 7.24
